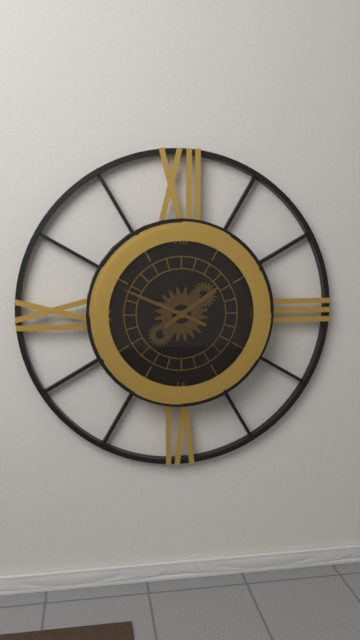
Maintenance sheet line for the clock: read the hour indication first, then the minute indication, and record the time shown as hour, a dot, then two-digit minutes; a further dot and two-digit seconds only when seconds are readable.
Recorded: 1.49
